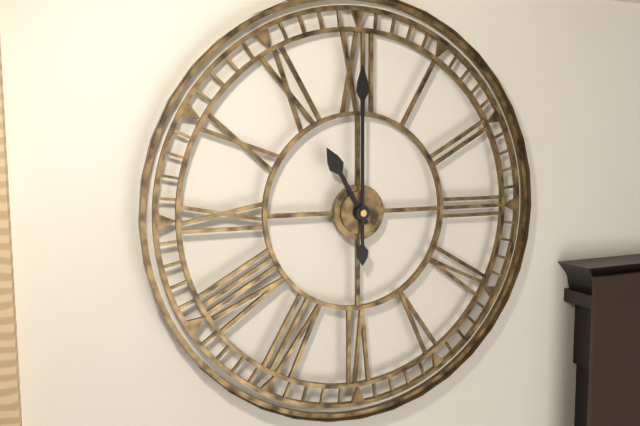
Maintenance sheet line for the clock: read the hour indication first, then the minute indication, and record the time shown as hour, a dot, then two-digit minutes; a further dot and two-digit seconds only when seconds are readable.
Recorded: 11.00
